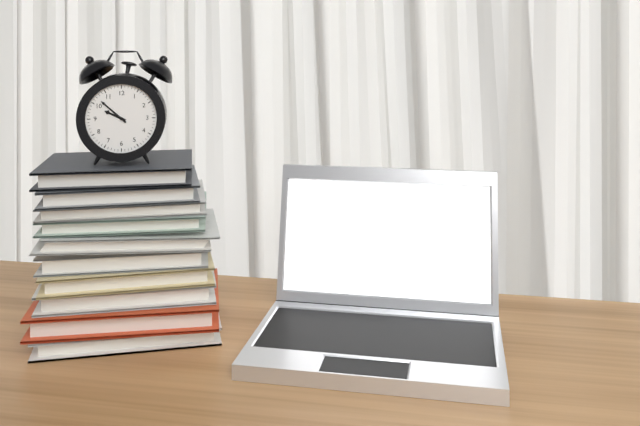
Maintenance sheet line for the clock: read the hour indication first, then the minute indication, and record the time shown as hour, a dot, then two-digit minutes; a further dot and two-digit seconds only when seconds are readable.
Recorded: 9.52
